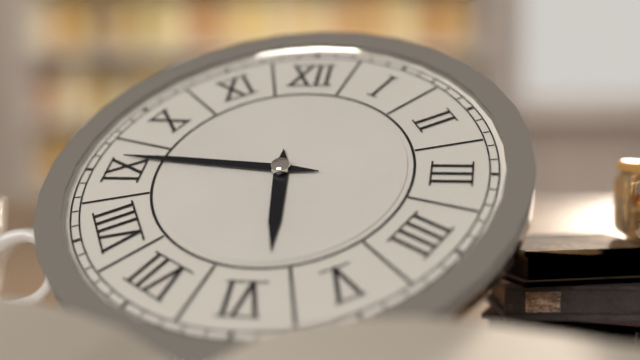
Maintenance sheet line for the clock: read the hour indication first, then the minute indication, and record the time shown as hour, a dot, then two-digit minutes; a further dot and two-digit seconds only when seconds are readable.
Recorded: 5.46
